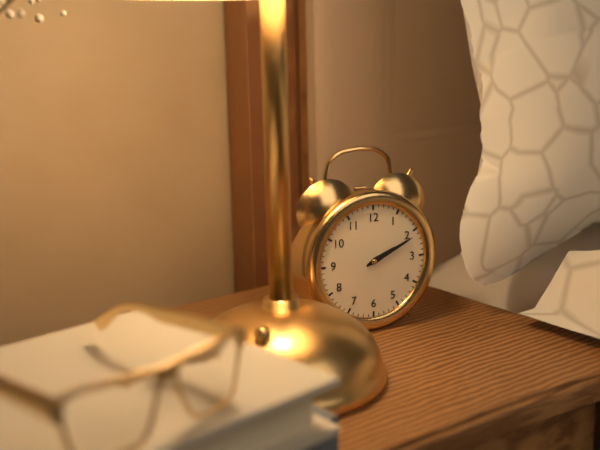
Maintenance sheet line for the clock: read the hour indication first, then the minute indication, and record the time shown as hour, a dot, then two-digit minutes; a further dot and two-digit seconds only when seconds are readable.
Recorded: 2.11
